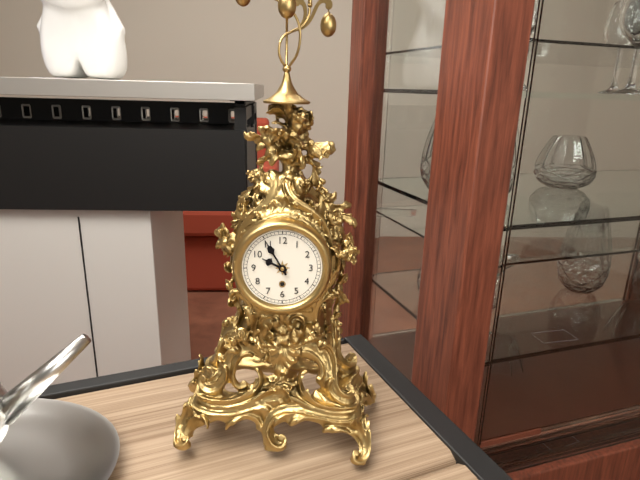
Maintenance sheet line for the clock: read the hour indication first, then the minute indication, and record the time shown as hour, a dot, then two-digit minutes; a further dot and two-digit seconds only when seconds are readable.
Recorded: 9.55
